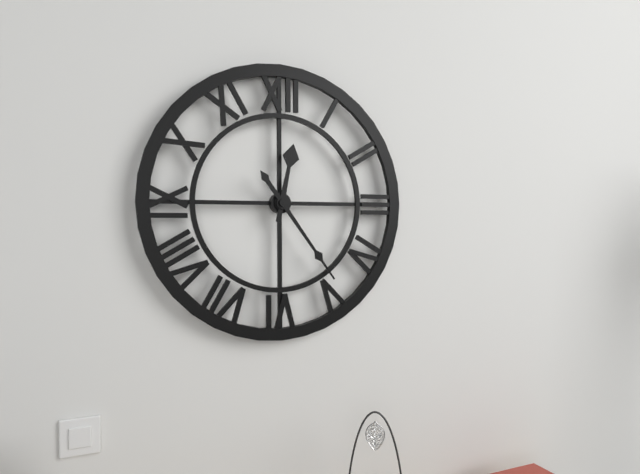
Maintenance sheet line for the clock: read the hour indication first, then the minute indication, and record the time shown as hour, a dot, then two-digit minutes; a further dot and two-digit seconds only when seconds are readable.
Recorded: 12.24
